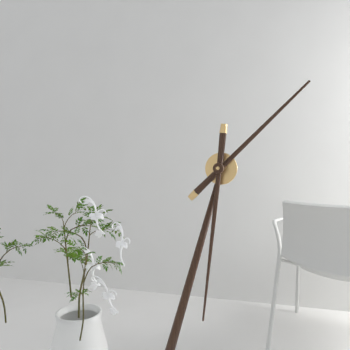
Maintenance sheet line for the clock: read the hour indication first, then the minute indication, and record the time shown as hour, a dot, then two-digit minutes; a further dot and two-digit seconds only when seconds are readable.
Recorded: 1.31
